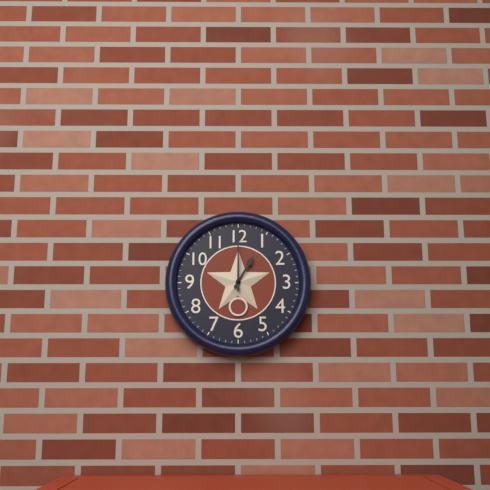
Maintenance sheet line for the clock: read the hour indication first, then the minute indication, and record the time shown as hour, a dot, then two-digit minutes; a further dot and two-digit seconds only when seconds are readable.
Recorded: 1.00
